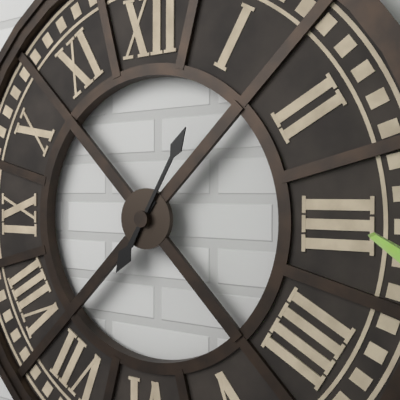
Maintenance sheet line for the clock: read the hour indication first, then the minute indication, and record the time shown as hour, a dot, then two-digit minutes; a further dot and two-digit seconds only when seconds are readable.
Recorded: 7.05
